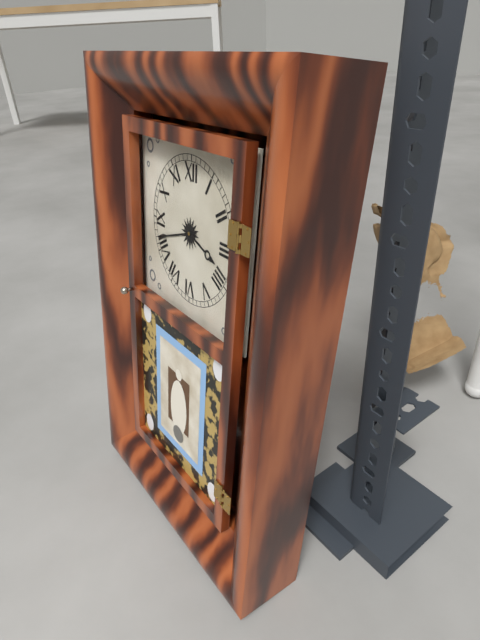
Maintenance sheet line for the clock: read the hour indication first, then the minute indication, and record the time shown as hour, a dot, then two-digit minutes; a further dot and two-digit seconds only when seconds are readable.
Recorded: 3.42
